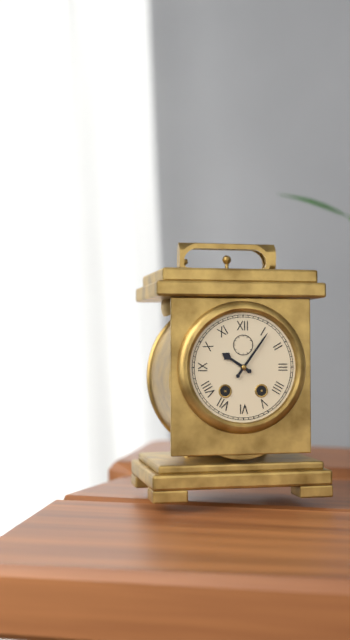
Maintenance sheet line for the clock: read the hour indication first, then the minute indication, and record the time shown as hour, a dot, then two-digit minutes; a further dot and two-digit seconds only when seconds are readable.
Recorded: 10.06
